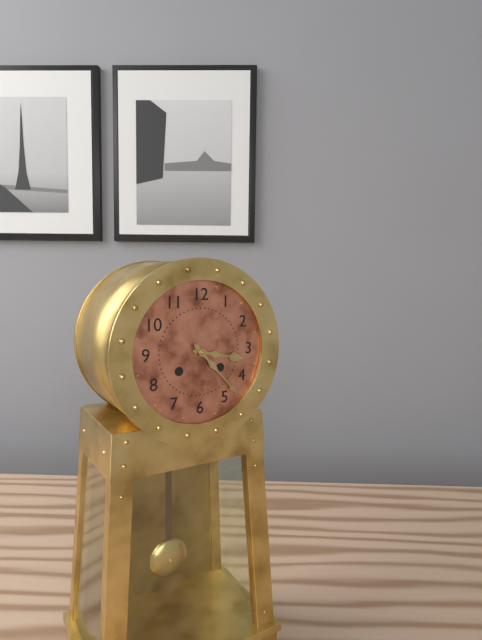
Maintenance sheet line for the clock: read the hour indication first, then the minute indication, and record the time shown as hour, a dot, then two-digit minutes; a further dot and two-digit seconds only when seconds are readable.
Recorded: 3.23
